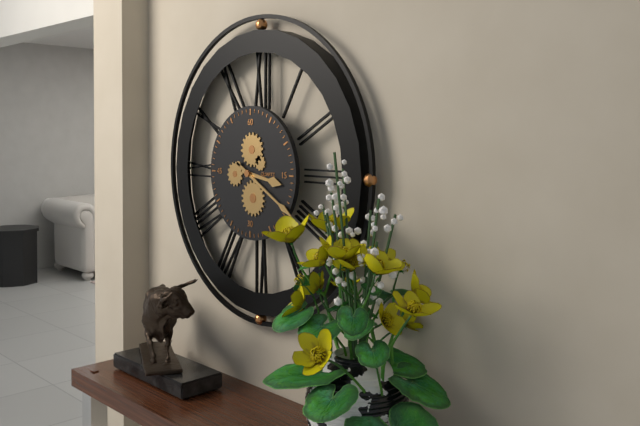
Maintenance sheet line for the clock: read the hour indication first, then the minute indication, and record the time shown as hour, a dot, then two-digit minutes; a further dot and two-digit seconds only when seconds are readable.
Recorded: 3.20
